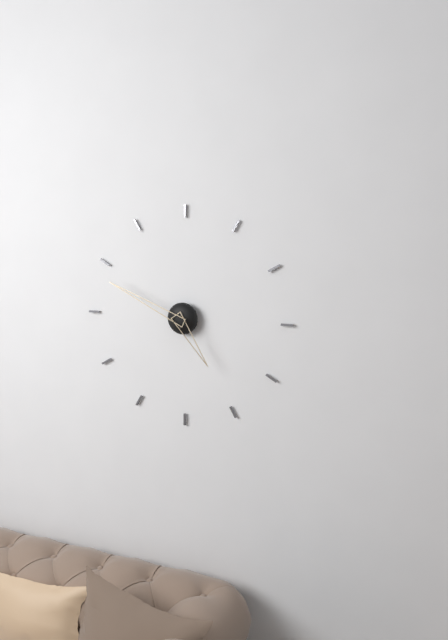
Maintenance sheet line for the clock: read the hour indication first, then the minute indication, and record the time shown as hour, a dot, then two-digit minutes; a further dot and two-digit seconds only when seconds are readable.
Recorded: 4.49
